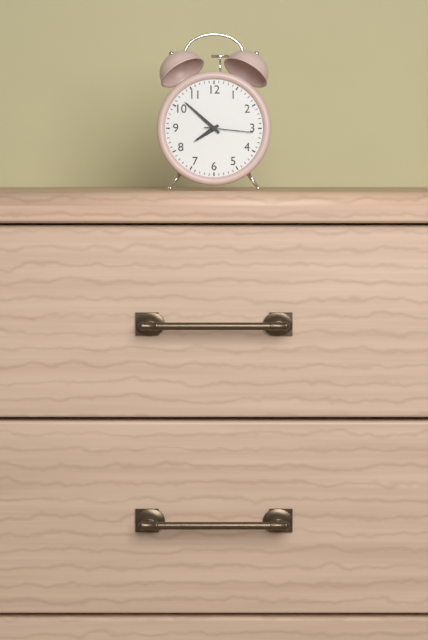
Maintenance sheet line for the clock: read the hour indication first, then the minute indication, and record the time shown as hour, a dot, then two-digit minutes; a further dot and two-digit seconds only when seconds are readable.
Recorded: 7.52
